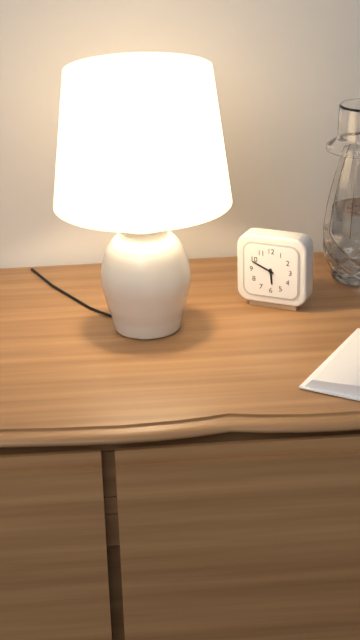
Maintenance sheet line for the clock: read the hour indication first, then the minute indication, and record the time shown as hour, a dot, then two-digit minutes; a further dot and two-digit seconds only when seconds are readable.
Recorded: 5.49
